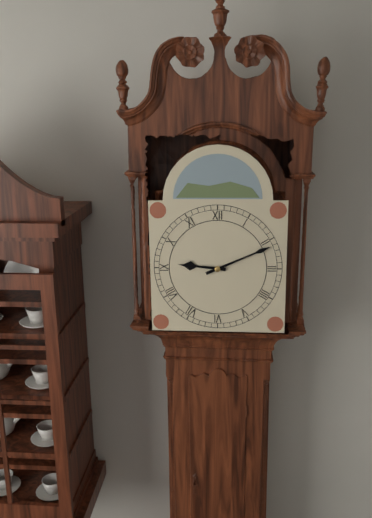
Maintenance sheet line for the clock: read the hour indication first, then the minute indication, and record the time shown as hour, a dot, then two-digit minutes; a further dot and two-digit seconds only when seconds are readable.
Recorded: 9.11
